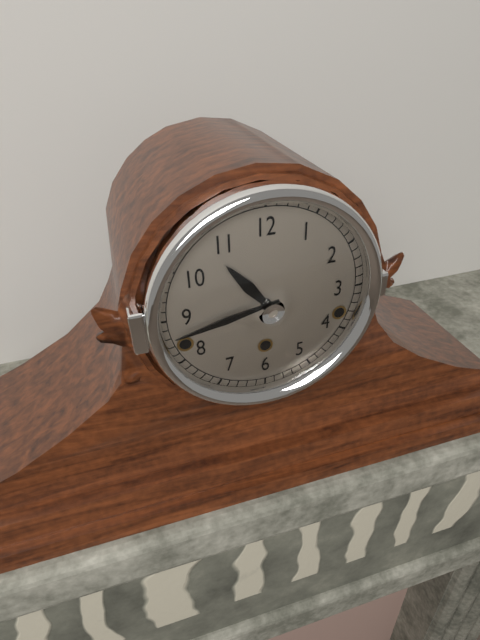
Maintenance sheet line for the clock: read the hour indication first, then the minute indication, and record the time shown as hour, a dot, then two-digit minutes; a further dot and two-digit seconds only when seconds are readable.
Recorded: 10.43
